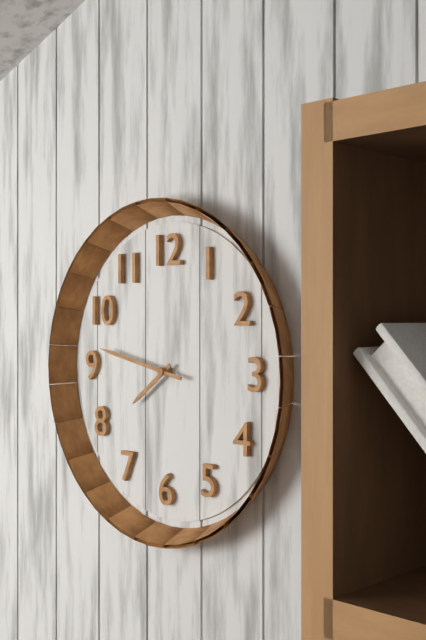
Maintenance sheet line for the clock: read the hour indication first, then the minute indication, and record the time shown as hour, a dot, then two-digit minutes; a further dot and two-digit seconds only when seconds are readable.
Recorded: 7.47
